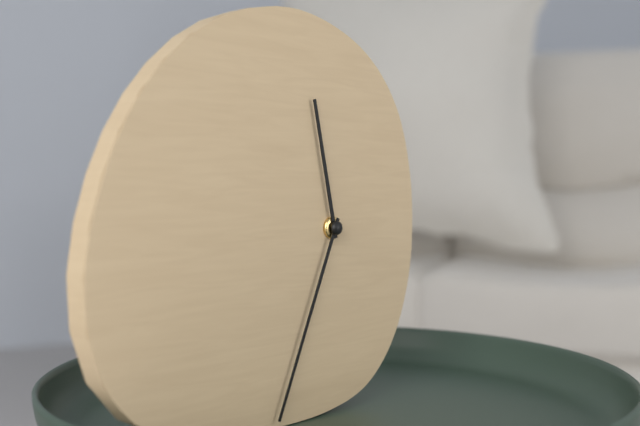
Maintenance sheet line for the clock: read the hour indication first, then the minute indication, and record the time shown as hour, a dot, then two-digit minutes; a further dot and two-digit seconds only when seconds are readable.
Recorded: 11.34
